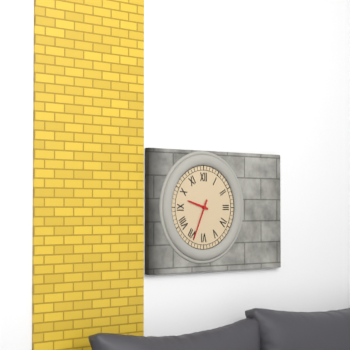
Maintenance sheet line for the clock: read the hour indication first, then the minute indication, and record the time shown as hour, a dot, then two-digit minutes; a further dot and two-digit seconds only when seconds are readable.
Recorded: 9.34
